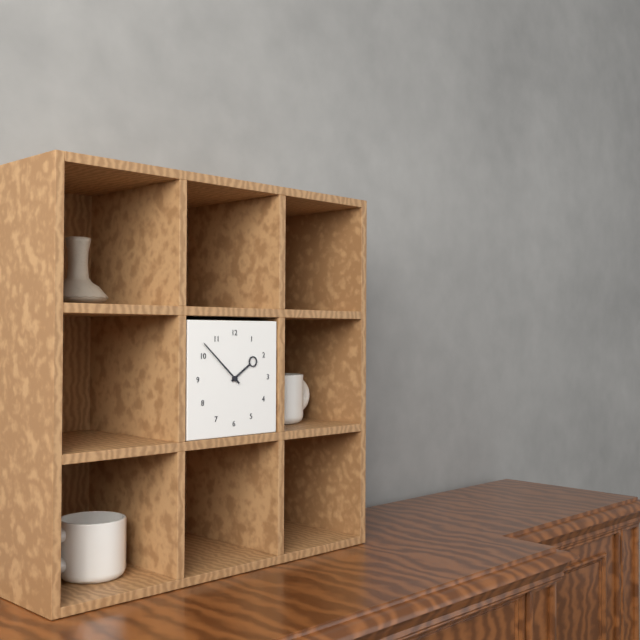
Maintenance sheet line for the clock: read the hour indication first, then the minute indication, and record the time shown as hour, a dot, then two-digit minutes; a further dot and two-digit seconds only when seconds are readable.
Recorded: 1.52
